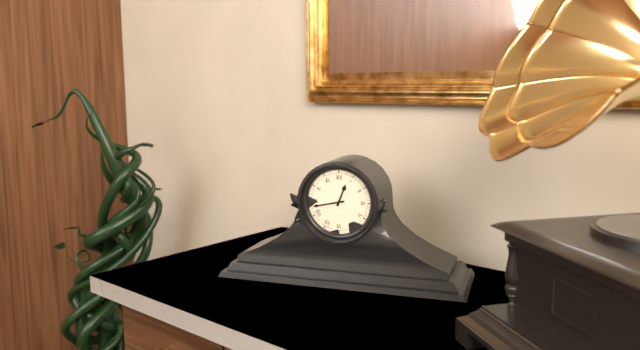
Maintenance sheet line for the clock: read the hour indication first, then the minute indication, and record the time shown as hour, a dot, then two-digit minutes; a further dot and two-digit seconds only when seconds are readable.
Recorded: 12.43
